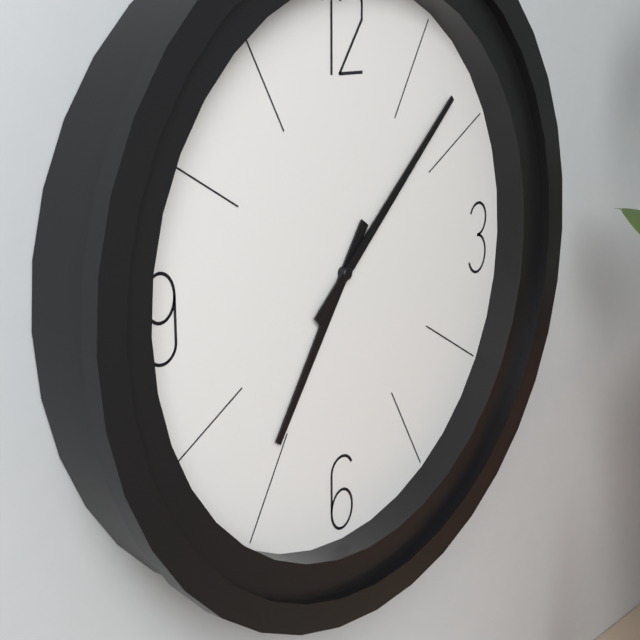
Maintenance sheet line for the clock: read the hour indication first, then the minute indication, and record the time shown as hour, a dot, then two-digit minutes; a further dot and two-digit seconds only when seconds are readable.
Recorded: 7.08
